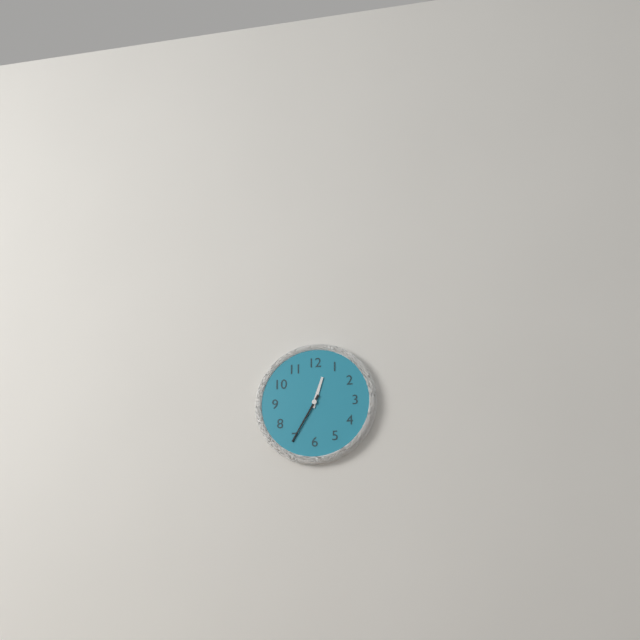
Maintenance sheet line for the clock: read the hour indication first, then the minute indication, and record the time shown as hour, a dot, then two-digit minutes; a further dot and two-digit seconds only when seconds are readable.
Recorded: 12.35
